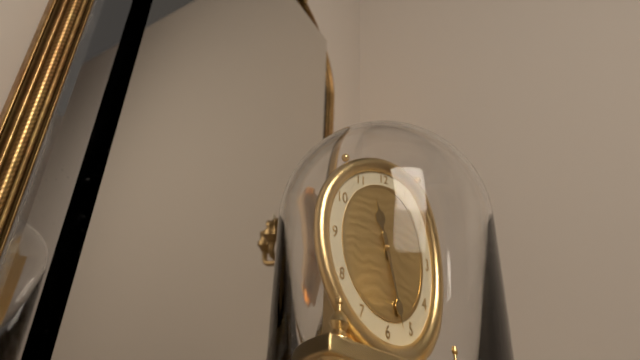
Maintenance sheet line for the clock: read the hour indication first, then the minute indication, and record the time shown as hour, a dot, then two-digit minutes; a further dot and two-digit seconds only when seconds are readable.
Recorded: 11.27
